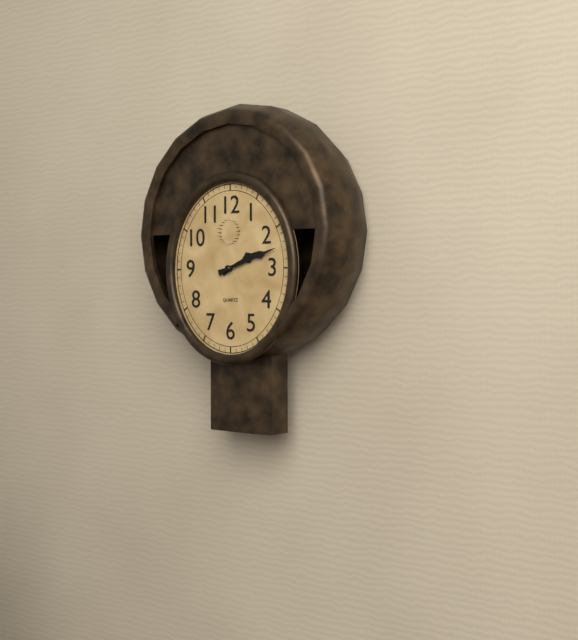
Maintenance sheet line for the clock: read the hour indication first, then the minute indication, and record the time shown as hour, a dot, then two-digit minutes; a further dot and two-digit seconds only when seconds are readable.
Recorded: 2.12
